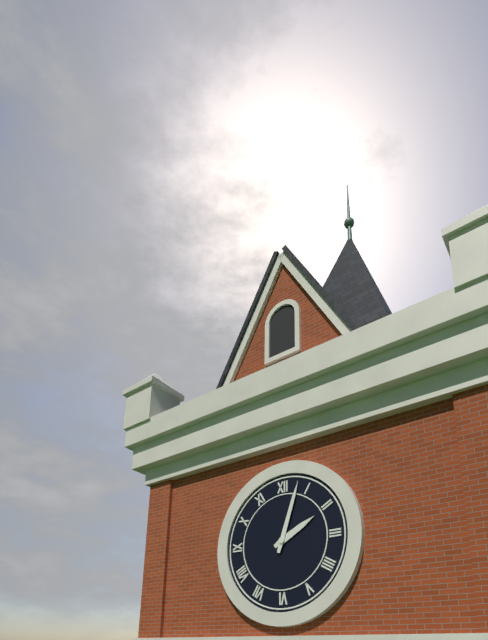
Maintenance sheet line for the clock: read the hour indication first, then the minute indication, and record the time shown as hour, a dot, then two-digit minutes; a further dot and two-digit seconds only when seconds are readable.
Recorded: 2.03
